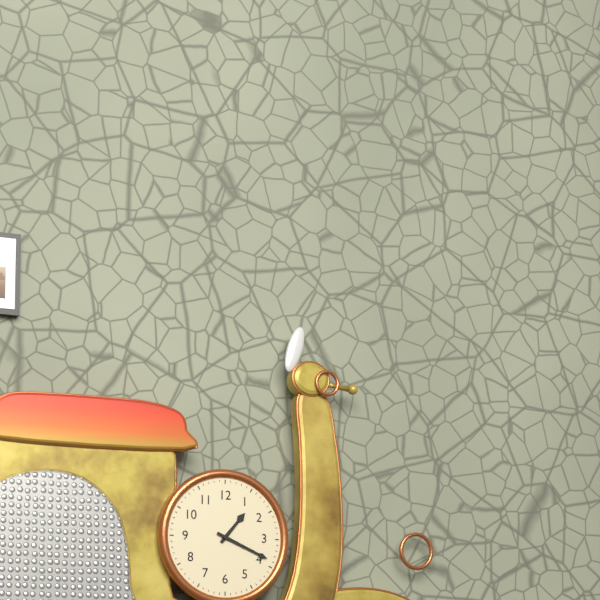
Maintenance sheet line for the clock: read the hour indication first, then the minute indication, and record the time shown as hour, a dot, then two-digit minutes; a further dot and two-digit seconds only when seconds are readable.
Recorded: 1.19
